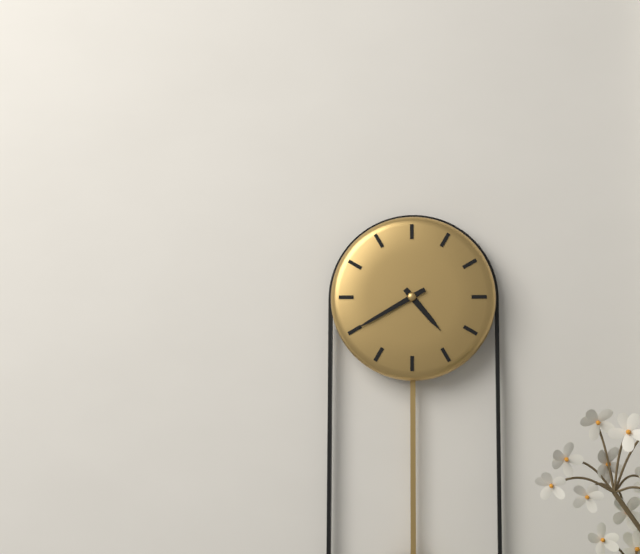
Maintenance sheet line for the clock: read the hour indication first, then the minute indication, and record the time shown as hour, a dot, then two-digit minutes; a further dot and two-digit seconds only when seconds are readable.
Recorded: 4.40
